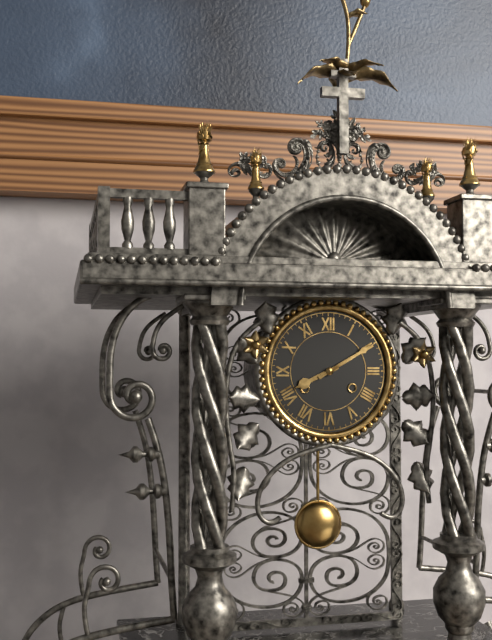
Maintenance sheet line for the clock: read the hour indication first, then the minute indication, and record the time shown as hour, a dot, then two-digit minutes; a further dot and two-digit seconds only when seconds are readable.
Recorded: 8.10
